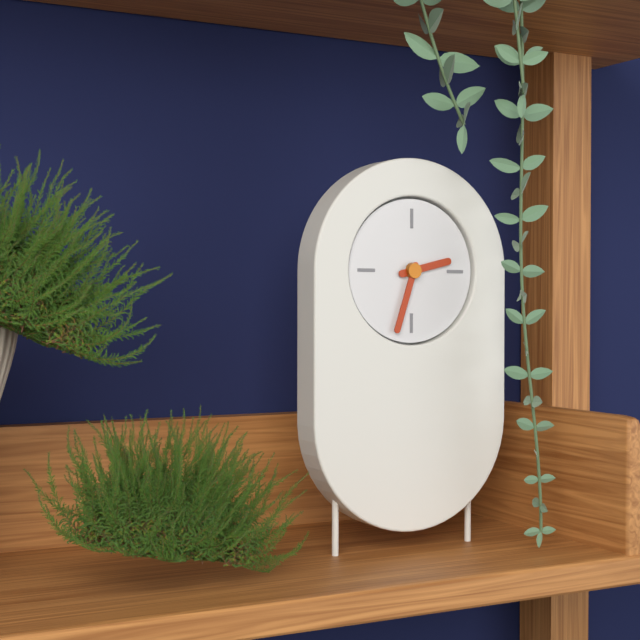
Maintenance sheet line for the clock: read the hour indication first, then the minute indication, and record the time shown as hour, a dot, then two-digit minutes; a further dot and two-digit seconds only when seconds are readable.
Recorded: 2.33
